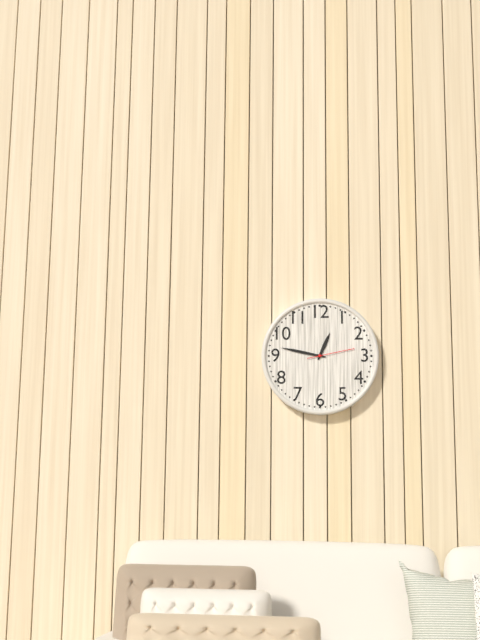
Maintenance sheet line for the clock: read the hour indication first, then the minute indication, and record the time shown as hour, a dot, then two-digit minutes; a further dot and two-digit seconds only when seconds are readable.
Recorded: 12.47
